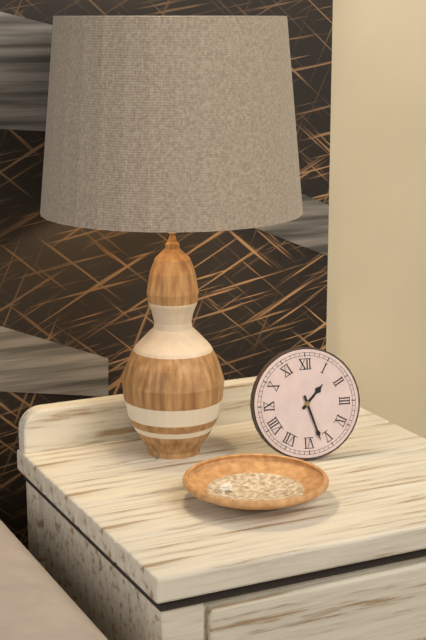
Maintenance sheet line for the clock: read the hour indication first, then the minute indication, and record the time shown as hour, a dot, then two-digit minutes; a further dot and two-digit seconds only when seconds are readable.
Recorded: 1.27
